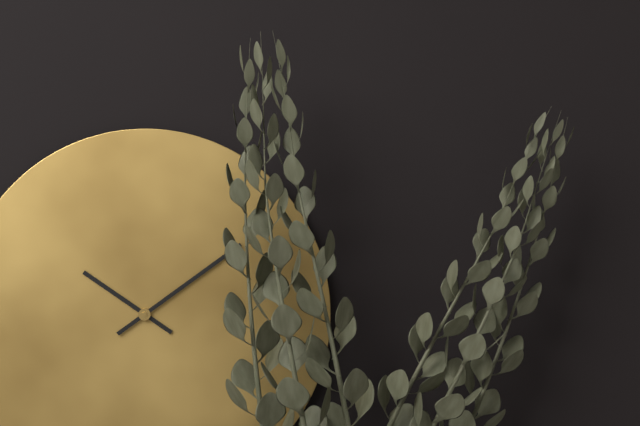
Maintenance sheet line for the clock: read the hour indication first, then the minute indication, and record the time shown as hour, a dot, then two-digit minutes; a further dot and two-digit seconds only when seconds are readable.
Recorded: 10.09
